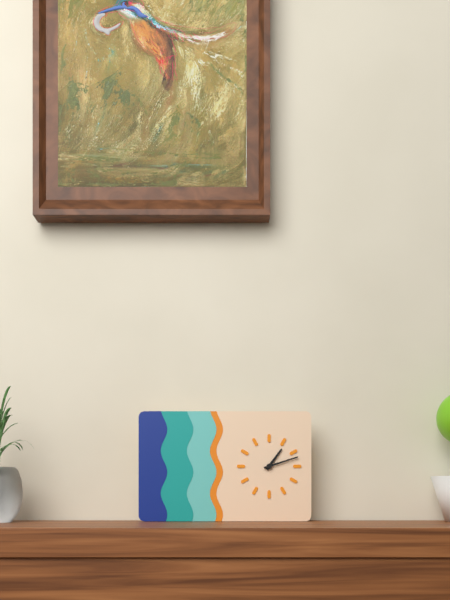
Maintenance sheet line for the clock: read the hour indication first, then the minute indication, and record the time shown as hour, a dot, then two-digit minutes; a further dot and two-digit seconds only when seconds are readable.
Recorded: 1.12
